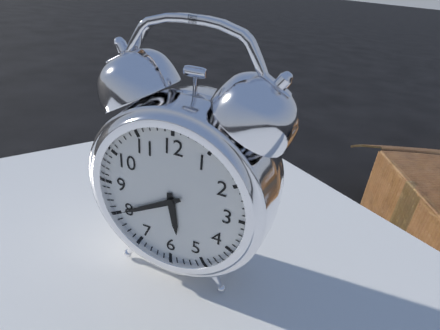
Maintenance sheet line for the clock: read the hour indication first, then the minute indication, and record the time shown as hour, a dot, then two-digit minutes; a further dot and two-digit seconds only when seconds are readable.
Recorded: 5.40
